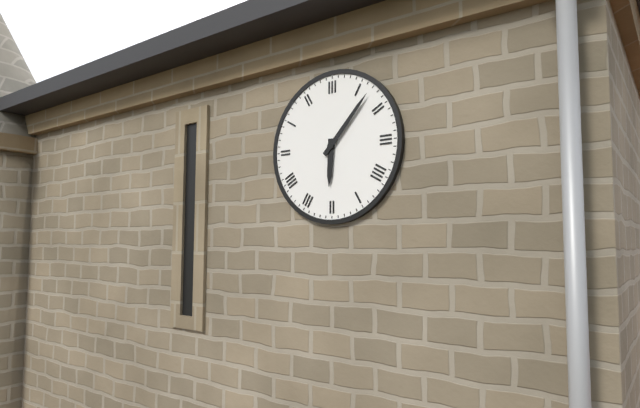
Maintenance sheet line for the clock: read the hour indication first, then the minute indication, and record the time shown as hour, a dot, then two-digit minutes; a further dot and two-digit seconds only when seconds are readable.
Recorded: 6.07
